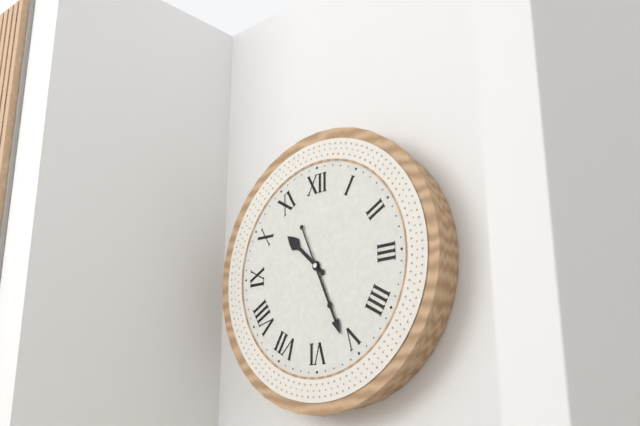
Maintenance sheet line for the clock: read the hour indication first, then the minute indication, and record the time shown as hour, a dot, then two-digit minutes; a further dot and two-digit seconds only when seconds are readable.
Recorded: 10.26
